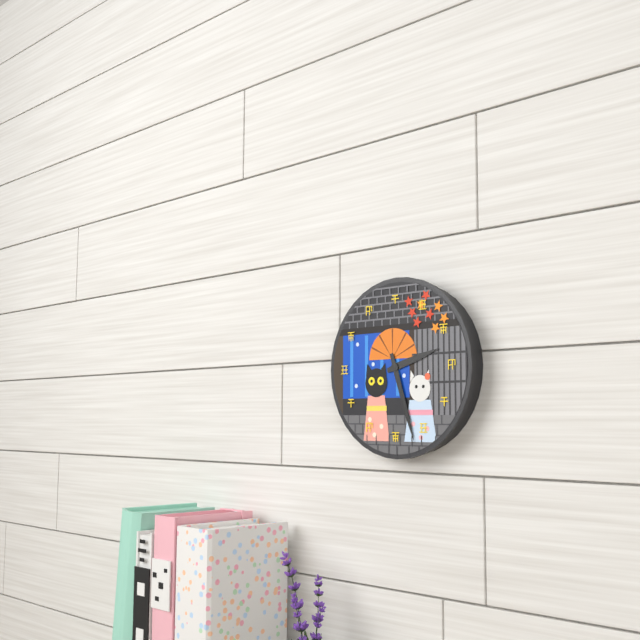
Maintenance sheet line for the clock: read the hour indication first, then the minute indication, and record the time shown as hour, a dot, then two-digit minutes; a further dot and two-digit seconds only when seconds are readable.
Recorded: 2.27
